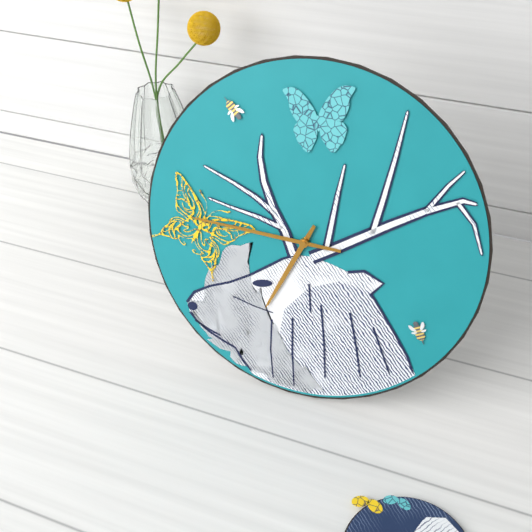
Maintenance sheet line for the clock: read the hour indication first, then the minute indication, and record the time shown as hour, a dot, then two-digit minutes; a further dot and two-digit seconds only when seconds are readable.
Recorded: 6.45
